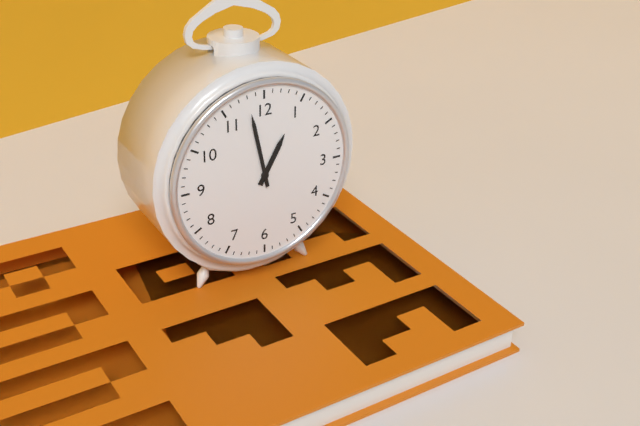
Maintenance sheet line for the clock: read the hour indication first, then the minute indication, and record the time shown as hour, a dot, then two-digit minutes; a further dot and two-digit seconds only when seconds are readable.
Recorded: 12.58
